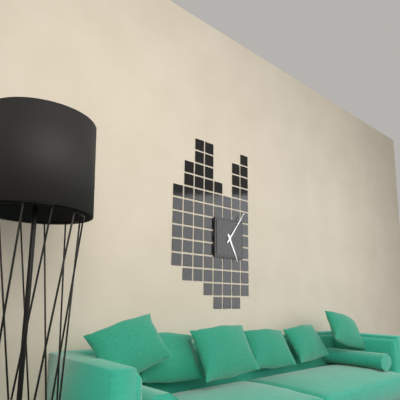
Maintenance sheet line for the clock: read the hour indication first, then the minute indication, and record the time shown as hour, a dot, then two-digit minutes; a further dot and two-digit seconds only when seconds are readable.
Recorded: 5.06
